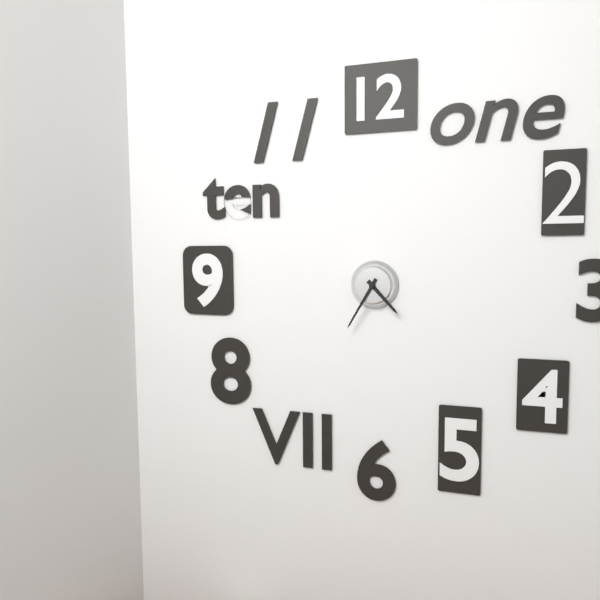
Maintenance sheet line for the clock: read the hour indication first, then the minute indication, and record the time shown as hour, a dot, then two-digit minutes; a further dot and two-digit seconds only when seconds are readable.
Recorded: 4.35
